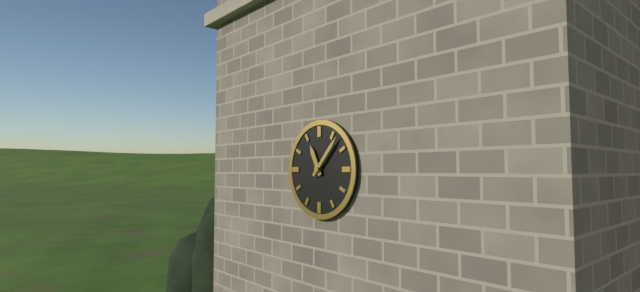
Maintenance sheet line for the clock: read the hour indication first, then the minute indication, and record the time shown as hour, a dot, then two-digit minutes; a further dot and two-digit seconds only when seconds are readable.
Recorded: 11.07
